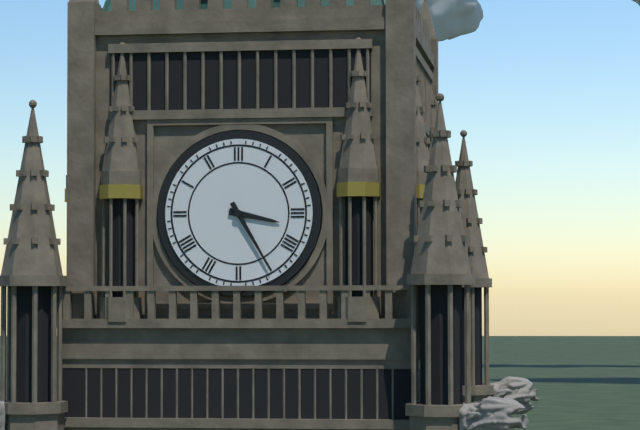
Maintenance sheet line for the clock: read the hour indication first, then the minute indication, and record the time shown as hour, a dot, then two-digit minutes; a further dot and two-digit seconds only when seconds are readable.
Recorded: 3.25
